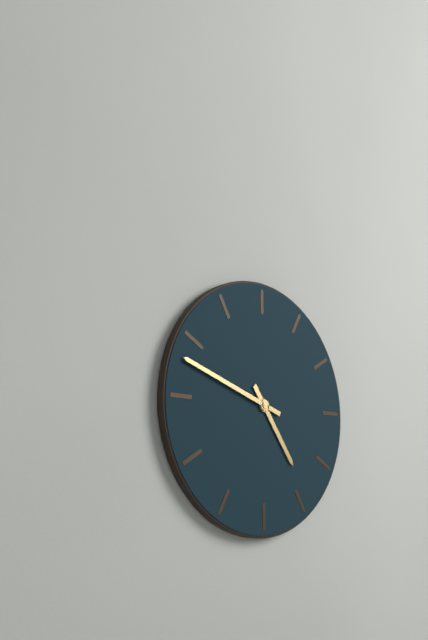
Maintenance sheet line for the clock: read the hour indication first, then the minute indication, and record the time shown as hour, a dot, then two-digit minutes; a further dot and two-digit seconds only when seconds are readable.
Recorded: 4.48
